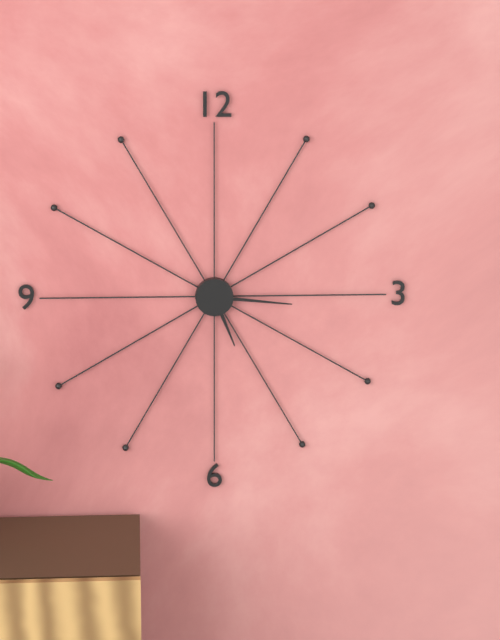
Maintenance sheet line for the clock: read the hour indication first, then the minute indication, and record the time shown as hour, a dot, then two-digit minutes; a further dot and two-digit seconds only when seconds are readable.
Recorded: 5.16
